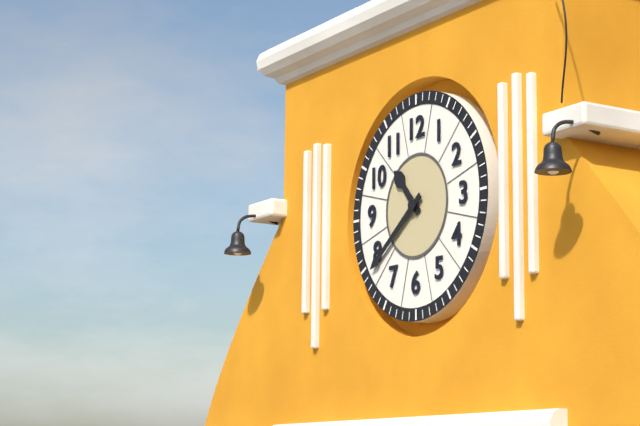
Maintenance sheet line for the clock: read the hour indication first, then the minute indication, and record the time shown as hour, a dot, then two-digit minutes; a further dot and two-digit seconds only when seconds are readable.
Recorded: 10.39
